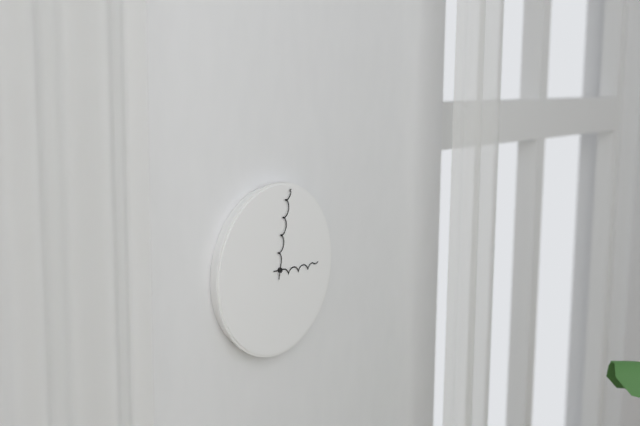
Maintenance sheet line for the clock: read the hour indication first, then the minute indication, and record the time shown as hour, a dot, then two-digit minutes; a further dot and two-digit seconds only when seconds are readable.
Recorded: 3.02
